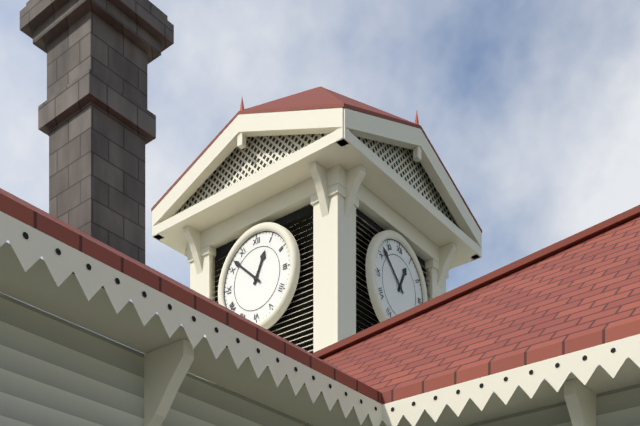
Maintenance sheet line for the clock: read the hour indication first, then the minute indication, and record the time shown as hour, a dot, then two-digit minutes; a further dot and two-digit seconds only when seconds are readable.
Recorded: 12.52
